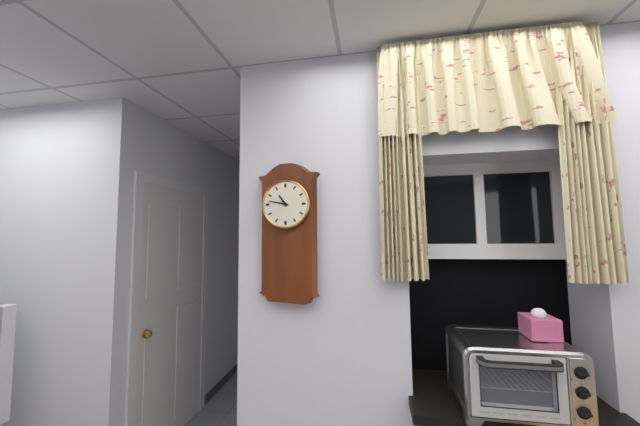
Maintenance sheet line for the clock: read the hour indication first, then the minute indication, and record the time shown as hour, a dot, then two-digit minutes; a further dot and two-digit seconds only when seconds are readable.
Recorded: 10.47
